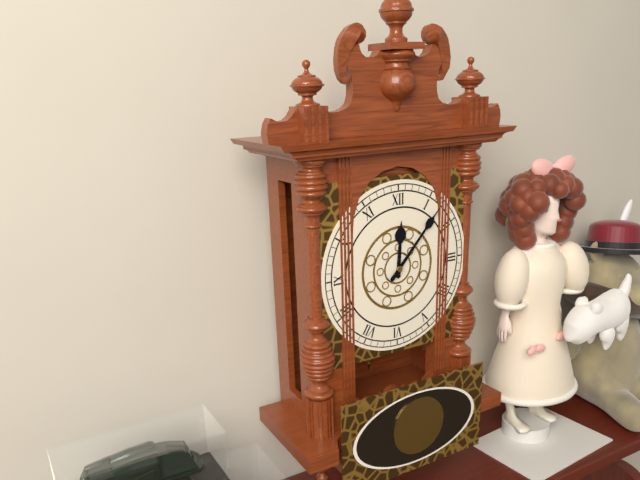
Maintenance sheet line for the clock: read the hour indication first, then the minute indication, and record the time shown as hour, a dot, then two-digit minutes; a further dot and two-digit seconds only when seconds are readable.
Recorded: 12.07
